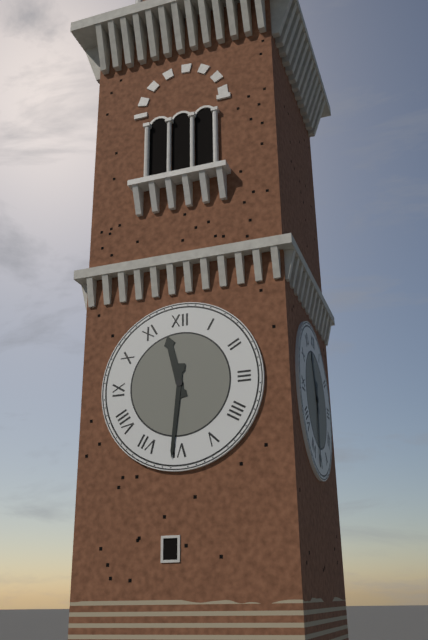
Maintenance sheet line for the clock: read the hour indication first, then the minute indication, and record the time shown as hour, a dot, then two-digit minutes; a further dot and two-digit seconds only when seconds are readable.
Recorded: 11.31
